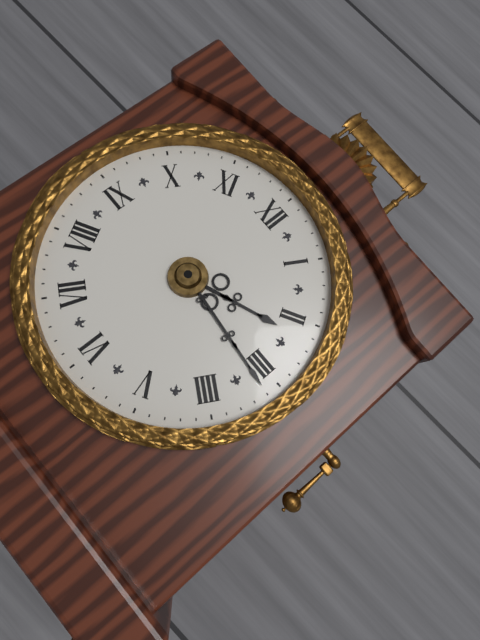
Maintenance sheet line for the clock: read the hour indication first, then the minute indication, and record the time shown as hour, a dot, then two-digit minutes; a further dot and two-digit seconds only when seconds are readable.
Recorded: 2.16
